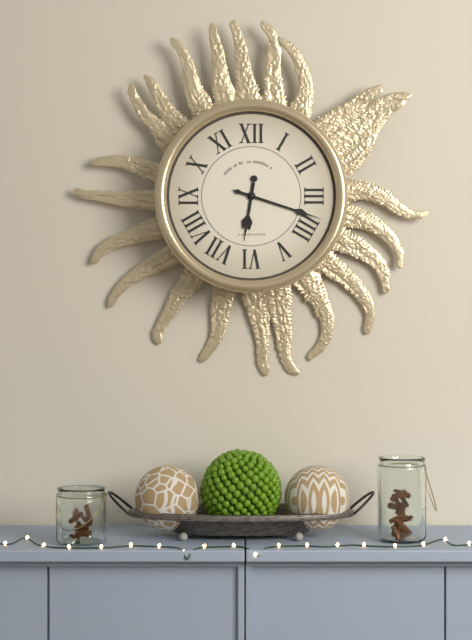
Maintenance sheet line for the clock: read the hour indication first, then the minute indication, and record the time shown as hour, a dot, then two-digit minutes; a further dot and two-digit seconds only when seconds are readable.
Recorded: 6.18
